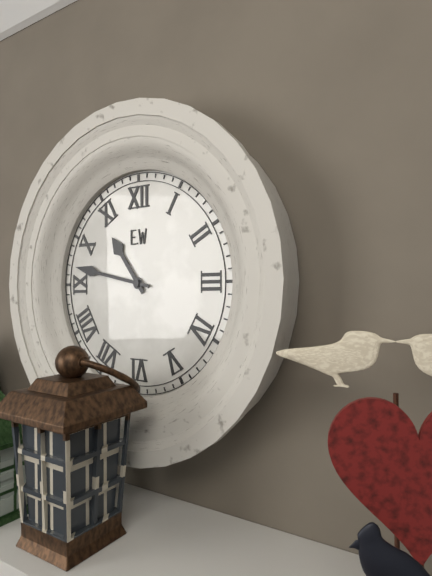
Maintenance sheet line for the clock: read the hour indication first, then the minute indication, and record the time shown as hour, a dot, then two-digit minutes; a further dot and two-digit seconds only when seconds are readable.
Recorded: 10.47
